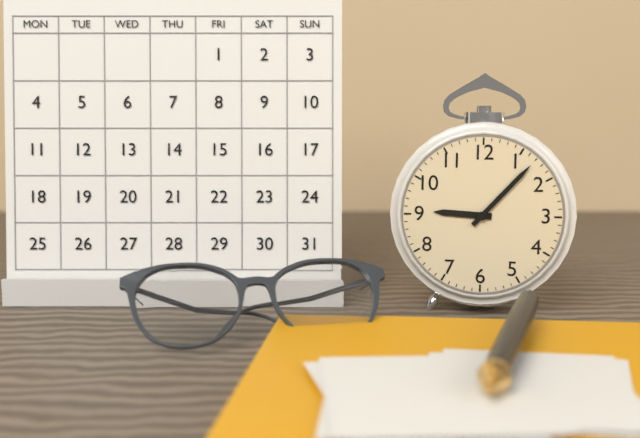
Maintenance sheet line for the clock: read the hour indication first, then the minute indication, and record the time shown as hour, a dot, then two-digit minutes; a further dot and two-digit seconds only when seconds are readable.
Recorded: 9.07
